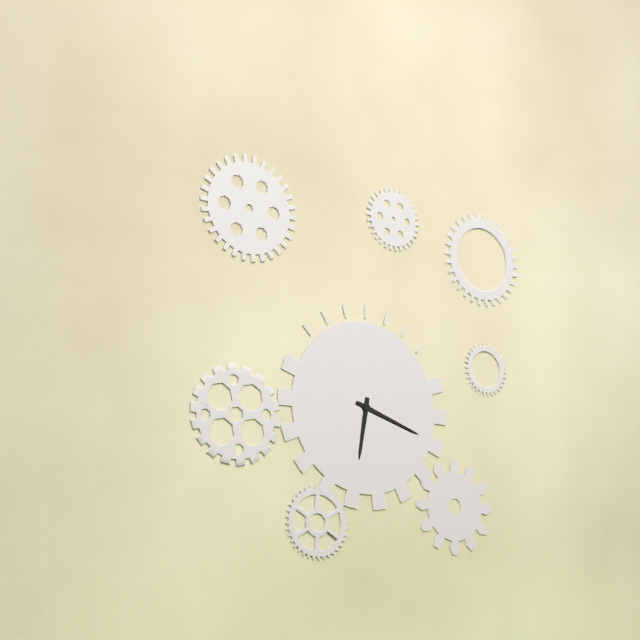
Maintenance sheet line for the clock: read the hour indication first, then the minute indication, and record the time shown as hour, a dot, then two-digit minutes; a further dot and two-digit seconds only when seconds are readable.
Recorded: 6.18
